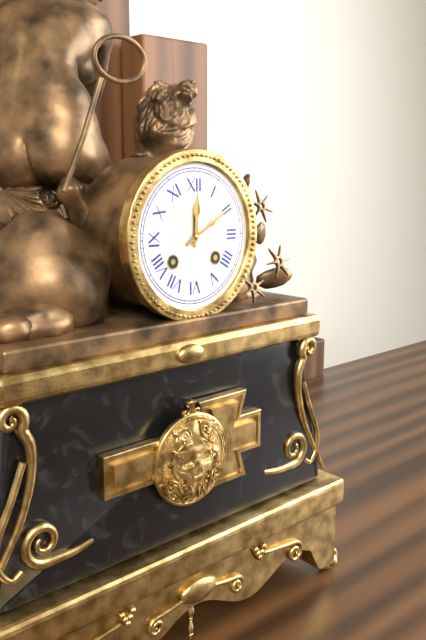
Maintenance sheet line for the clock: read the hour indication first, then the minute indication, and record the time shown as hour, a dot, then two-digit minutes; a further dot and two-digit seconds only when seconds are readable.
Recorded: 12.10
